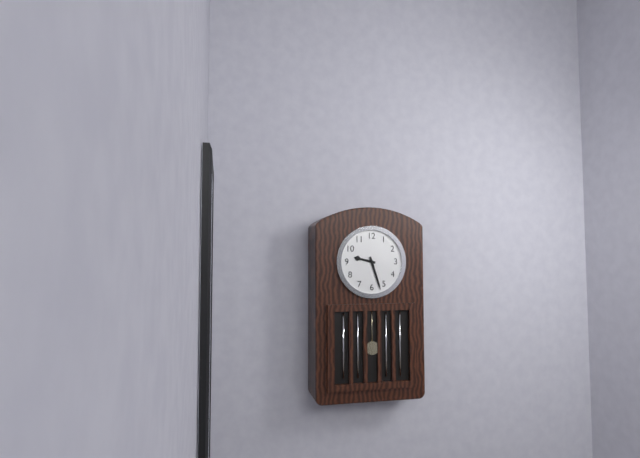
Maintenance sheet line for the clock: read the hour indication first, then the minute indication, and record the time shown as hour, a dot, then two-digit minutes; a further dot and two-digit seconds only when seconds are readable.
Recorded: 9.27
